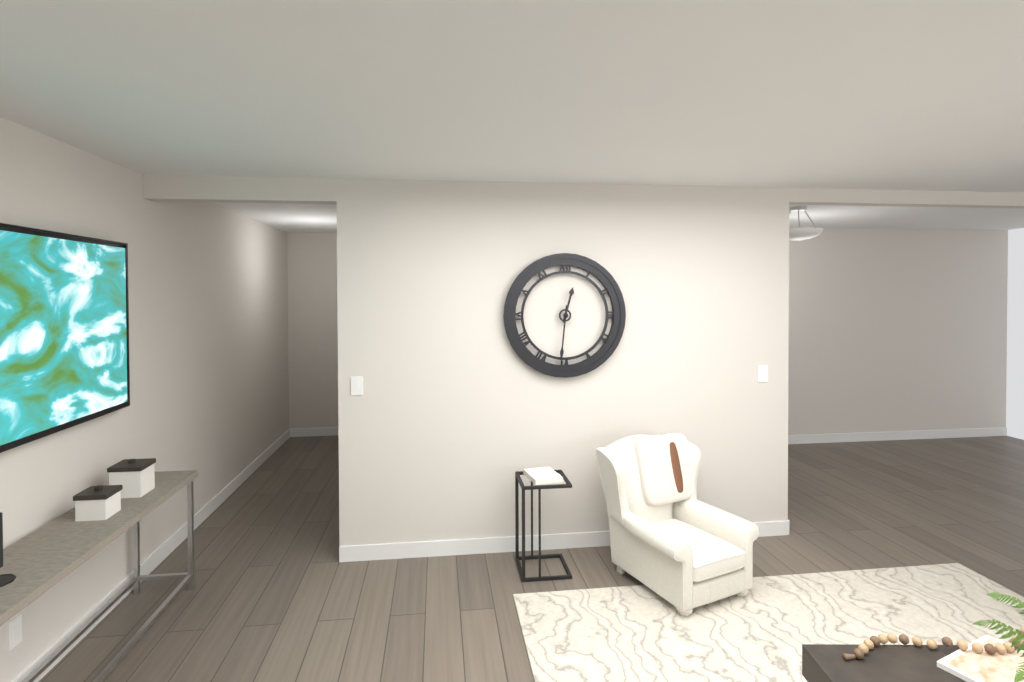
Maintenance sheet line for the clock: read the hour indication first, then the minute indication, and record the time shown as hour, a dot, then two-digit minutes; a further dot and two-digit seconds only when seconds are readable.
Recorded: 12.31
